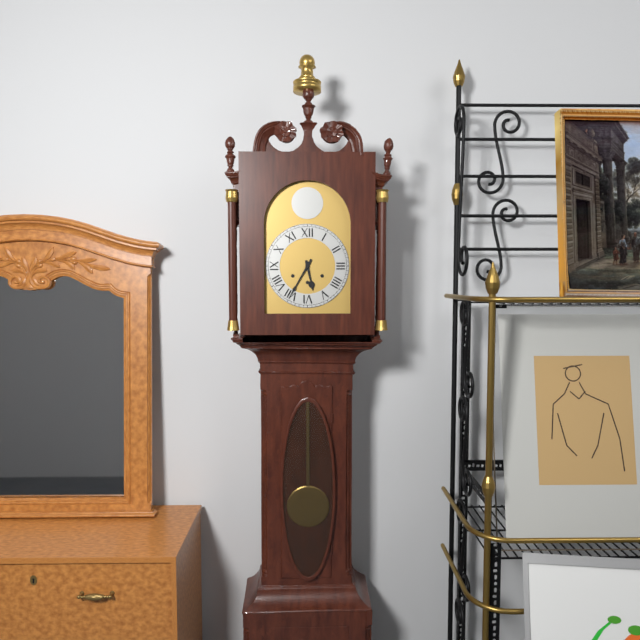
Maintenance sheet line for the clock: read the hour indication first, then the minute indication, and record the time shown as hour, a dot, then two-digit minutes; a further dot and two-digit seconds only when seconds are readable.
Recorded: 5.35
